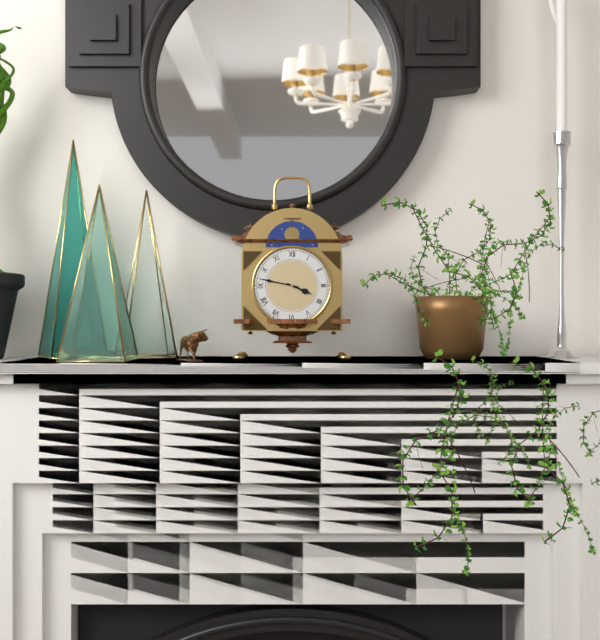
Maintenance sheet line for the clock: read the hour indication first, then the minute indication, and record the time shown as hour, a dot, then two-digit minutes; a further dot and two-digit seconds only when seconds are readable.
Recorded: 3.47
